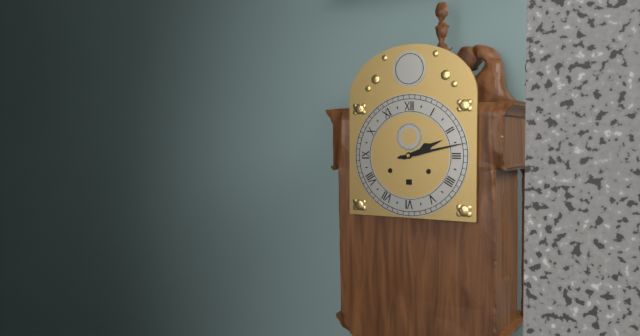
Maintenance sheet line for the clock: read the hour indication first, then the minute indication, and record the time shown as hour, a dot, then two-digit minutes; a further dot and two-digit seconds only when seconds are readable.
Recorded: 2.13
